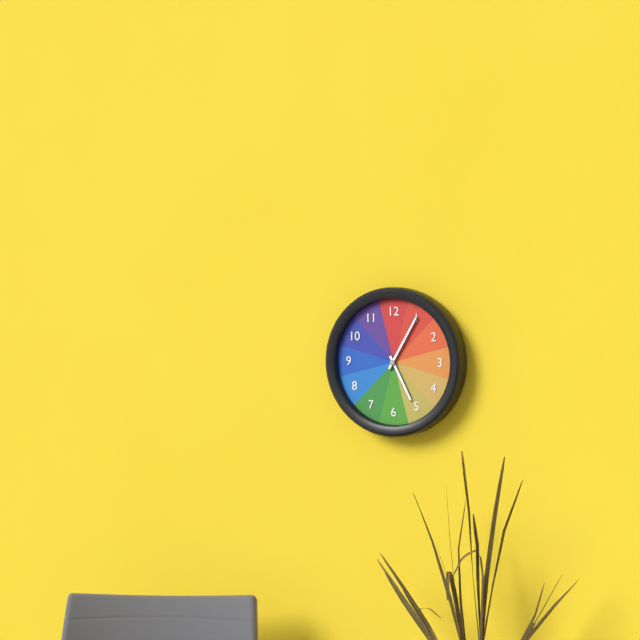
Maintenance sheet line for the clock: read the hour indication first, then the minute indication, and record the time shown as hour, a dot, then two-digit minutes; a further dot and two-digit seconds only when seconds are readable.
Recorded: 5.05
